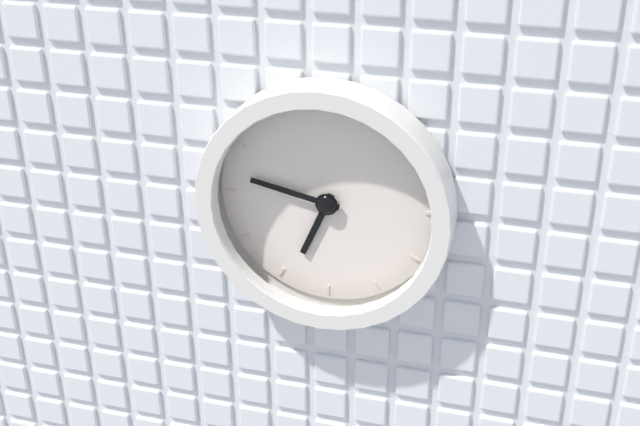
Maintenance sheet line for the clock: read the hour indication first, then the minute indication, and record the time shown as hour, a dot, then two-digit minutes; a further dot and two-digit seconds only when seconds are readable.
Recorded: 6.47
